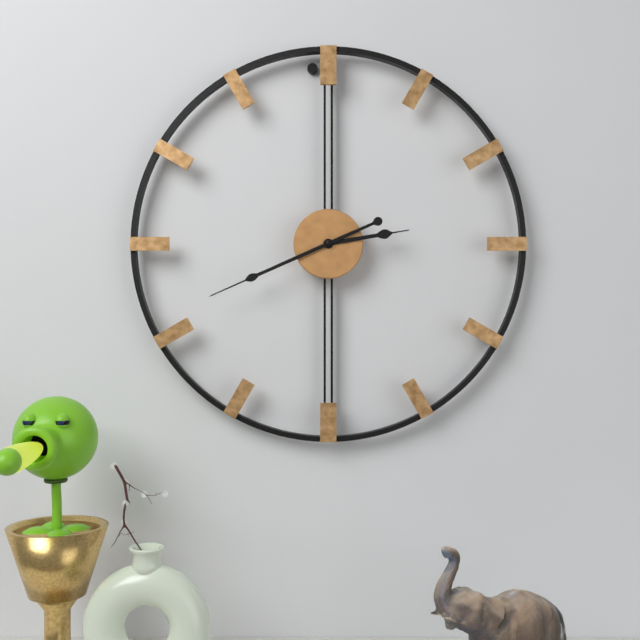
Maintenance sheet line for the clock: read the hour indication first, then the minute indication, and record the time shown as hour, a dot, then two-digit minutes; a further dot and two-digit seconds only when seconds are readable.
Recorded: 2.41
